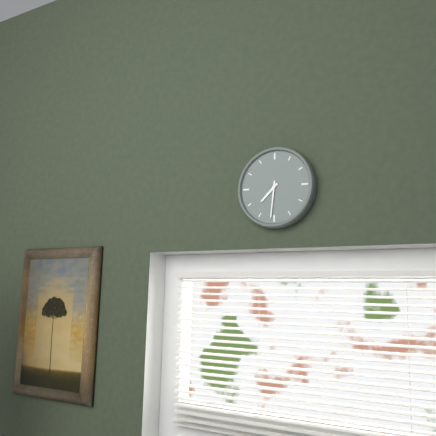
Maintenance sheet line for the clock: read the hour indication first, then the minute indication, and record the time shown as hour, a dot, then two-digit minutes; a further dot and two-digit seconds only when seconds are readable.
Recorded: 7.31
